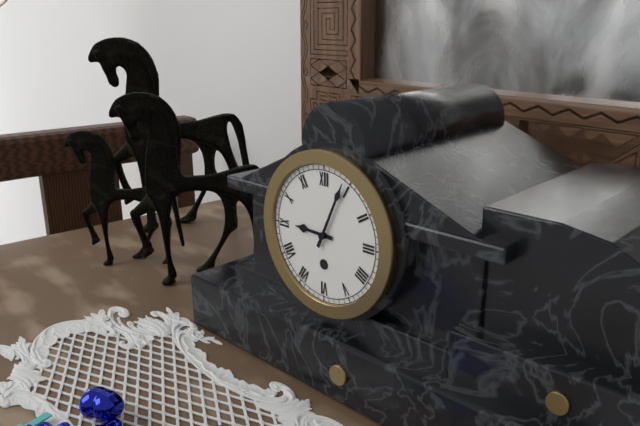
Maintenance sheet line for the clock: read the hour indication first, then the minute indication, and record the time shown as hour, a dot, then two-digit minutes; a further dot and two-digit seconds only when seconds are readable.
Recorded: 9.04
